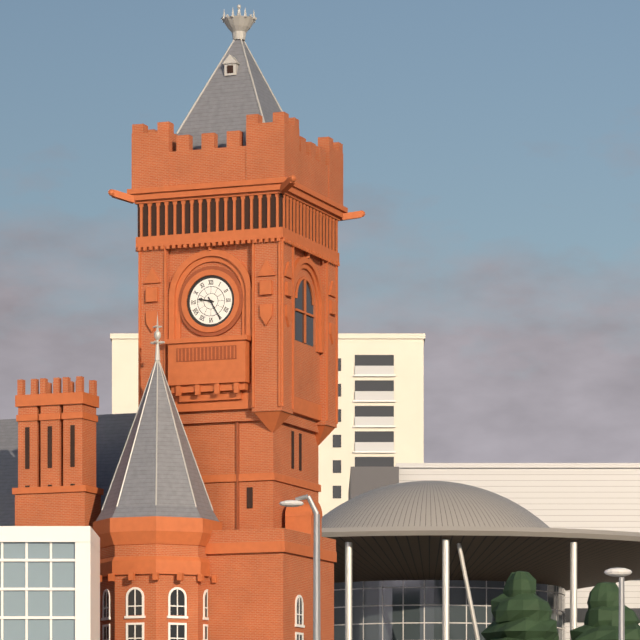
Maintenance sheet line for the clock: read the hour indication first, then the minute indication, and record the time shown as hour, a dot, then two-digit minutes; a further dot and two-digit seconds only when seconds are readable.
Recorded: 9.25
